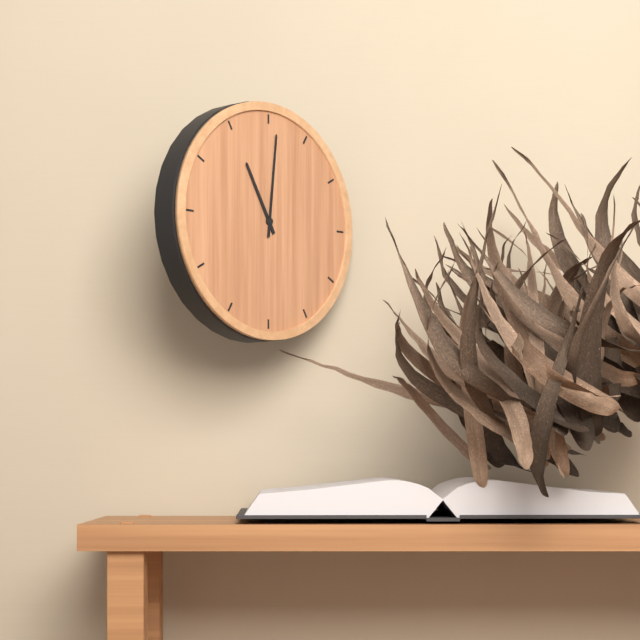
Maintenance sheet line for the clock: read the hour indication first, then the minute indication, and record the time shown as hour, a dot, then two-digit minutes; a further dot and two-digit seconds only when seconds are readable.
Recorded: 11.01
